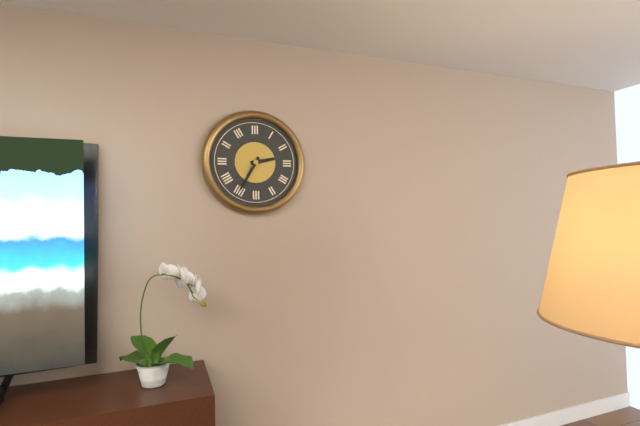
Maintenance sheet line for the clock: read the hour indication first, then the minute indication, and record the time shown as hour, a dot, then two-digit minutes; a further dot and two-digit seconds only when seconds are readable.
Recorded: 2.35
